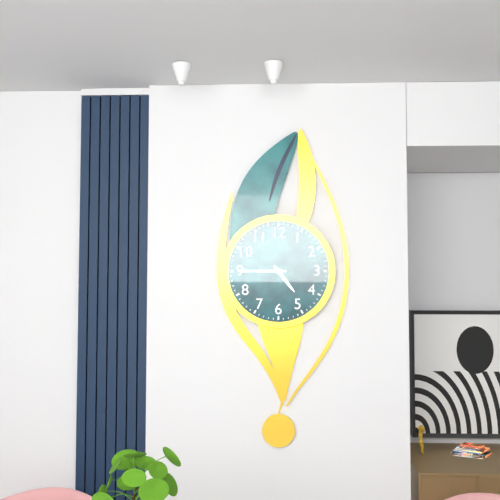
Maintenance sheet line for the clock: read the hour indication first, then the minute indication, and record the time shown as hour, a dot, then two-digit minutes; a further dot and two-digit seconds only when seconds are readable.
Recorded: 4.45
